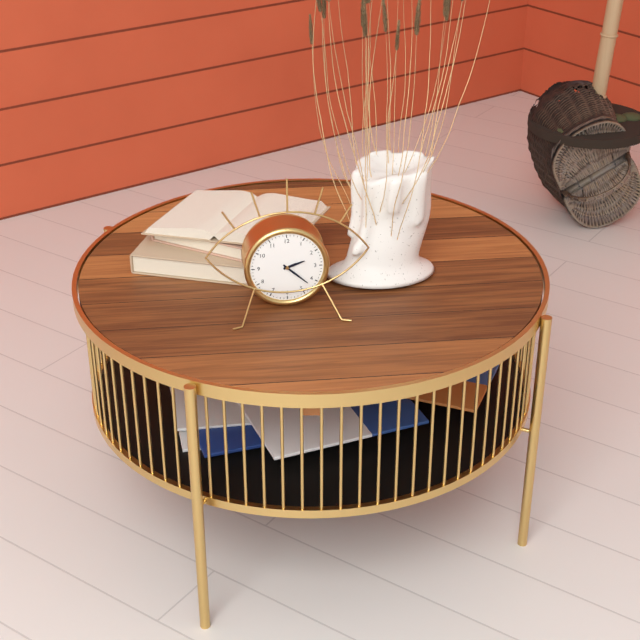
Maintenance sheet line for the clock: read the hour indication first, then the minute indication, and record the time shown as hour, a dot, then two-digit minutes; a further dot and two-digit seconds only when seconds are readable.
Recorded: 2.22
